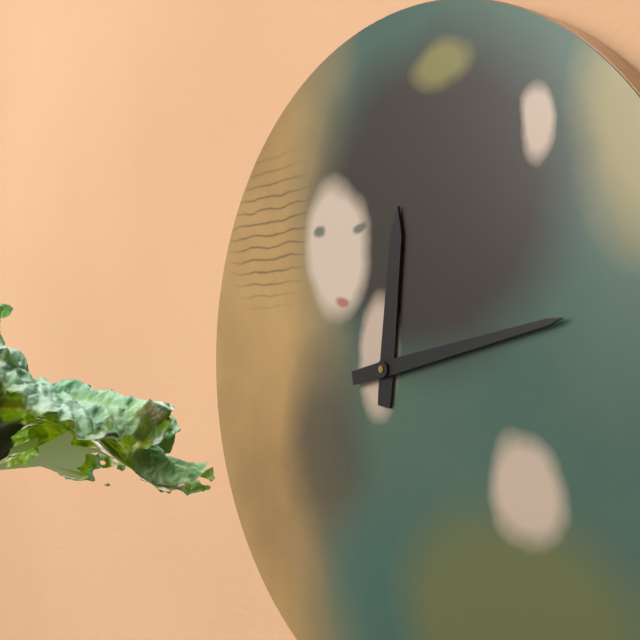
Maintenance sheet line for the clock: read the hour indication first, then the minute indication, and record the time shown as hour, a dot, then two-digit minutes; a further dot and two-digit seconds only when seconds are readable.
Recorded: 12.13
